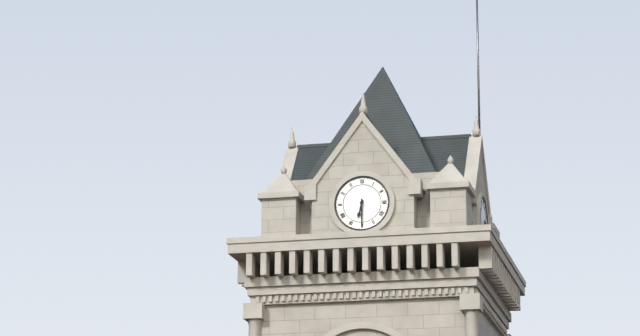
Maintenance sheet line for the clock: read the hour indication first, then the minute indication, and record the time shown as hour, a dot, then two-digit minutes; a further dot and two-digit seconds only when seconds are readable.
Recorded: 6.30
